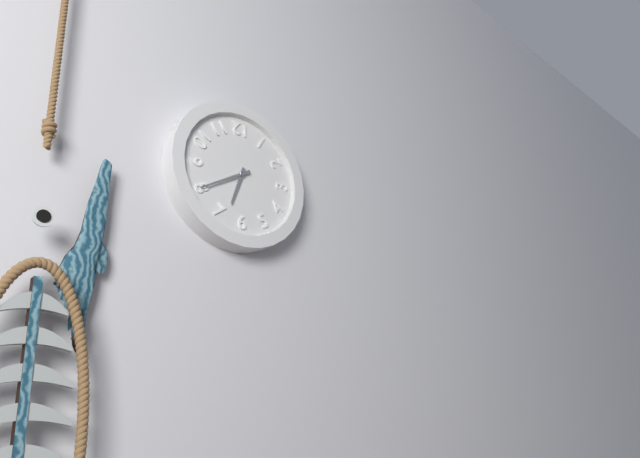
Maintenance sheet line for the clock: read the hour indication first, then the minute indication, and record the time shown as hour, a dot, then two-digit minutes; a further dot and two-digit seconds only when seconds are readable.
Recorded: 6.40
